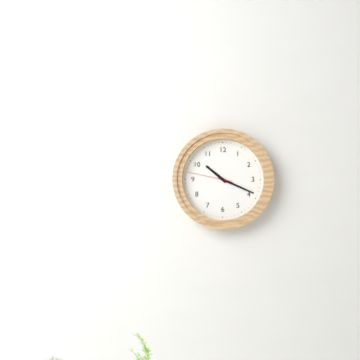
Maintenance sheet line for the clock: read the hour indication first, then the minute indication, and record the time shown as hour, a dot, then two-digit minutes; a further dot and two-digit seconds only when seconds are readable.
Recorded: 10.19
